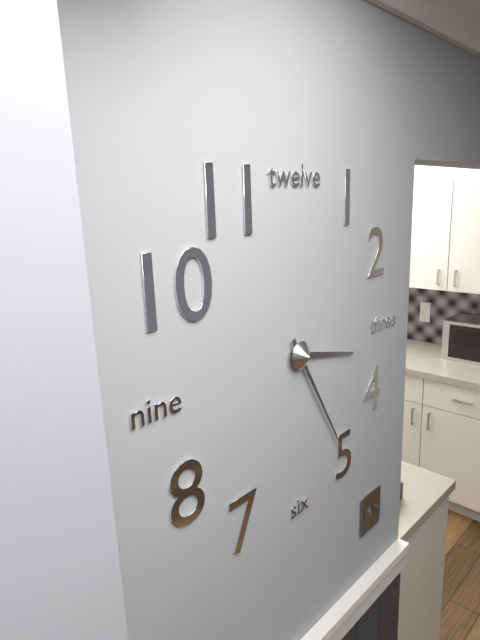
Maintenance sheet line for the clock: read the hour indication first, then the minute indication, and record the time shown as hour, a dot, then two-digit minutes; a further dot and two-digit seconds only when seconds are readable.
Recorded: 3.25
